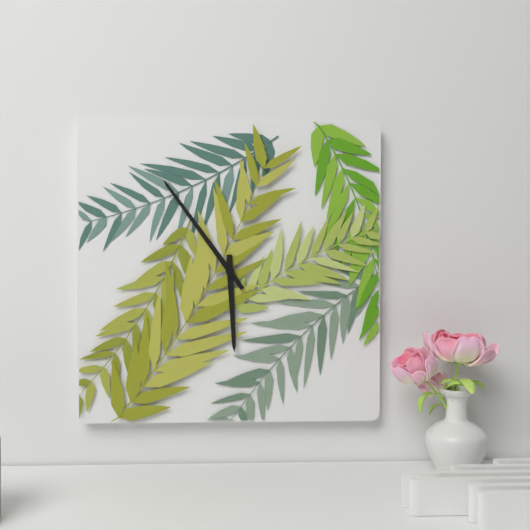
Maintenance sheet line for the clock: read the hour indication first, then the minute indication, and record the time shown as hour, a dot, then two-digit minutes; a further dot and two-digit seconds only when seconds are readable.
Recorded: 5.54
